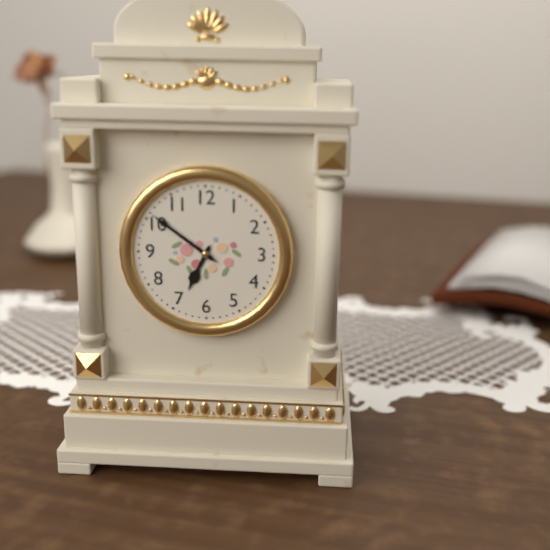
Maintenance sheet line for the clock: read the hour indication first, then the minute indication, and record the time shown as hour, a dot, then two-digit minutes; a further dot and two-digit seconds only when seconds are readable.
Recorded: 6.51
